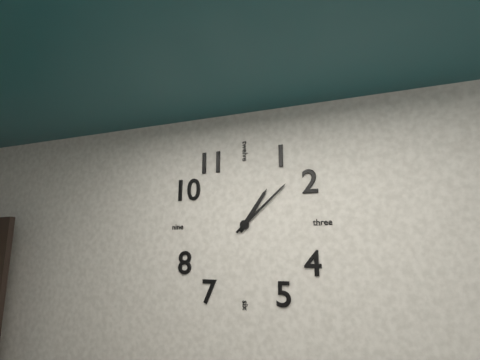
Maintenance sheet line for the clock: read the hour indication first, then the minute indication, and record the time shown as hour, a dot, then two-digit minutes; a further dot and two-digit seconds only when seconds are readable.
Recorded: 1.08
